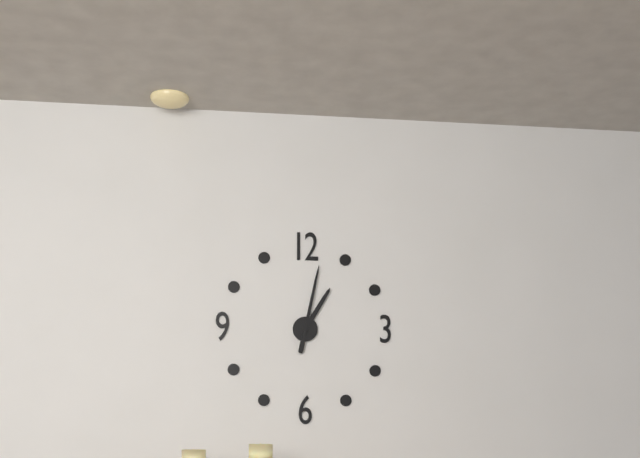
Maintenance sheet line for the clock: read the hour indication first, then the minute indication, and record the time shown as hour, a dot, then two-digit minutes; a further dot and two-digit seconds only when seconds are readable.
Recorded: 1.02
